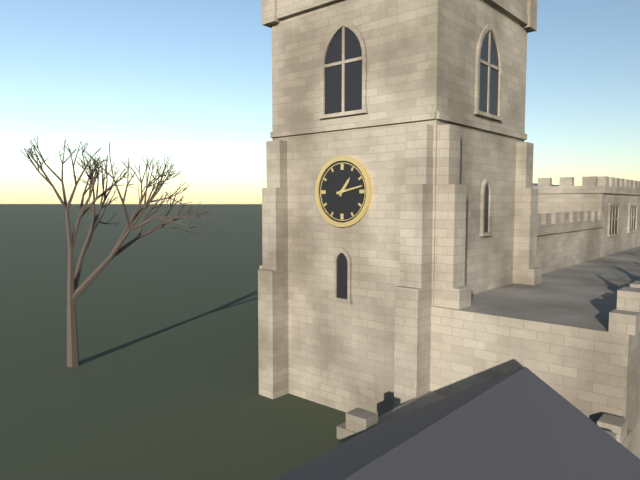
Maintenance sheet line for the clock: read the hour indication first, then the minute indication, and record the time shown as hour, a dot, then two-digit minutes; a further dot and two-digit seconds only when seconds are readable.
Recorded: 1.13
